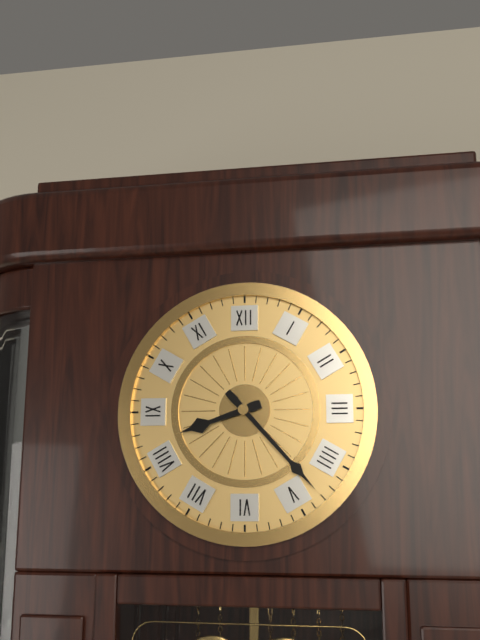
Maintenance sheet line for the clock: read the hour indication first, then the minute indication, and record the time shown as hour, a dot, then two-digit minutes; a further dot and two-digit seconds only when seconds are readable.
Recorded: 8.23
